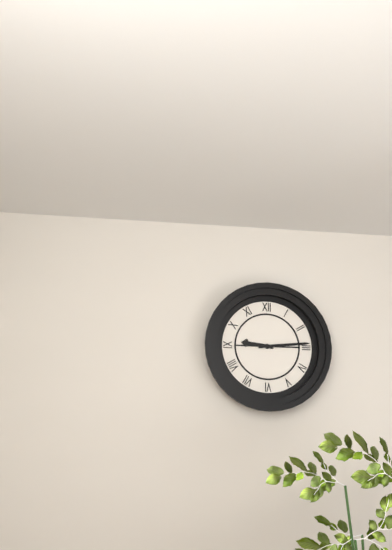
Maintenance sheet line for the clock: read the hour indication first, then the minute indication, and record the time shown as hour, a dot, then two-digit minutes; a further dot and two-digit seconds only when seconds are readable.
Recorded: 9.14
